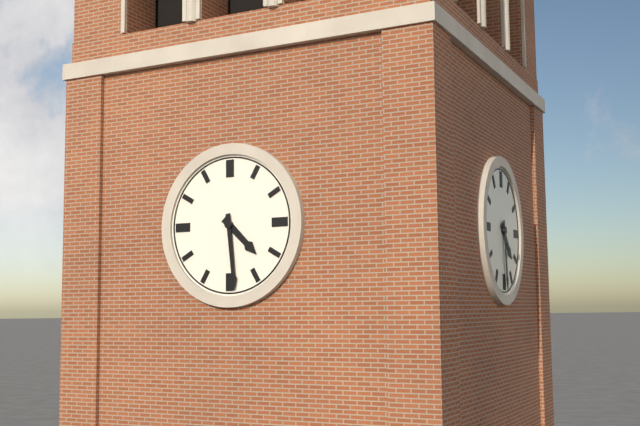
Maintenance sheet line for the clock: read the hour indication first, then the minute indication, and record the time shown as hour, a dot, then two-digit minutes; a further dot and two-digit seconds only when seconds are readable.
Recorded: 4.29
